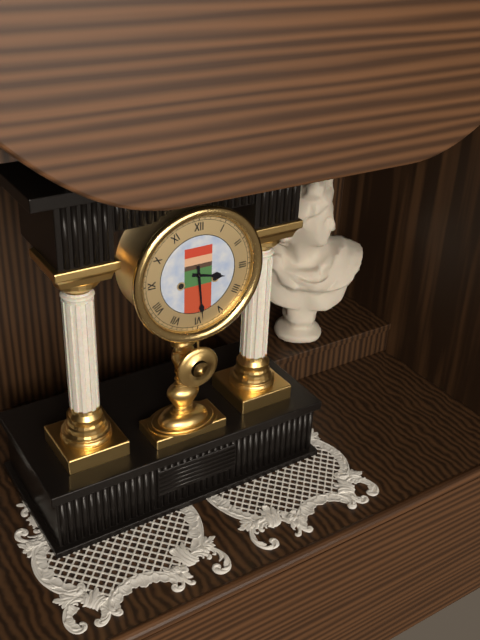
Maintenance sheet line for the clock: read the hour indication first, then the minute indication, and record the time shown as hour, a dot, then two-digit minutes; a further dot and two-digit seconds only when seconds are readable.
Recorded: 3.29
